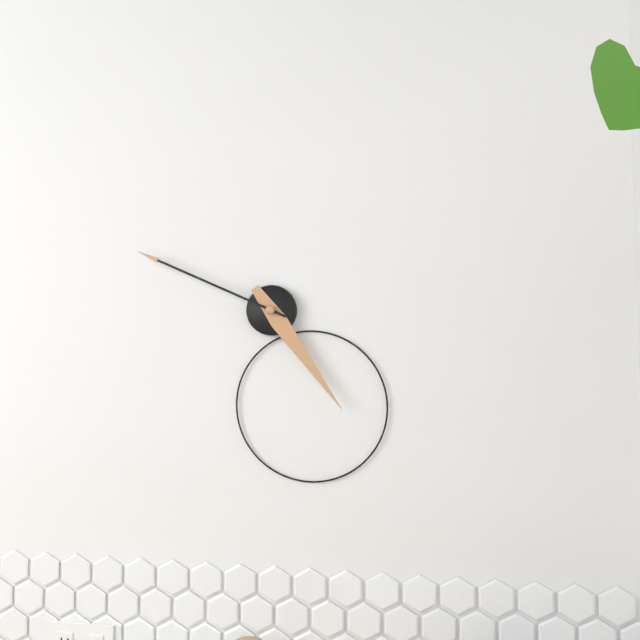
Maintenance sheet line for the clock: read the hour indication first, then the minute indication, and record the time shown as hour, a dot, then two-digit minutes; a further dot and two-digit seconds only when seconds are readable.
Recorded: 4.49
